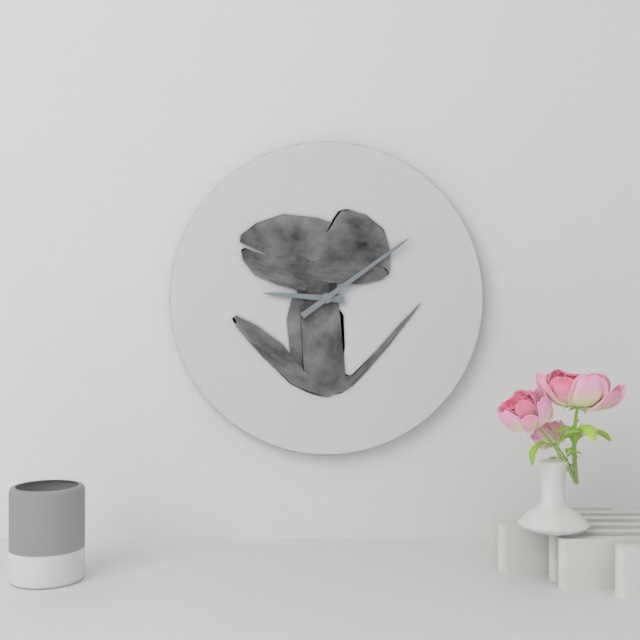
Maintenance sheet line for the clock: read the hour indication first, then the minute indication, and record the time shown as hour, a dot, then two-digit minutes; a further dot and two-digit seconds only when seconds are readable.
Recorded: 9.09
